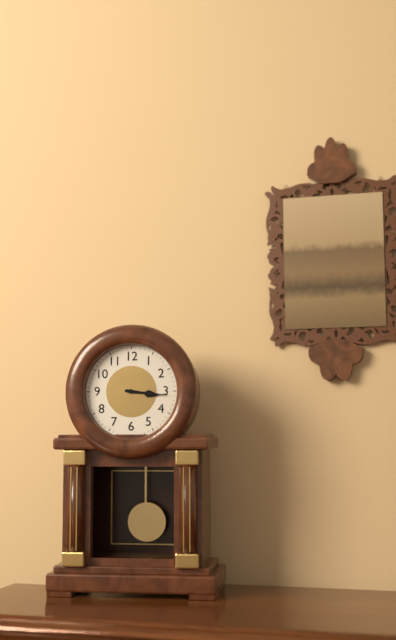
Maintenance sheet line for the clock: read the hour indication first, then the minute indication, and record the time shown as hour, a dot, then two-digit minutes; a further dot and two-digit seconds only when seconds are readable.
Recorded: 3.16
